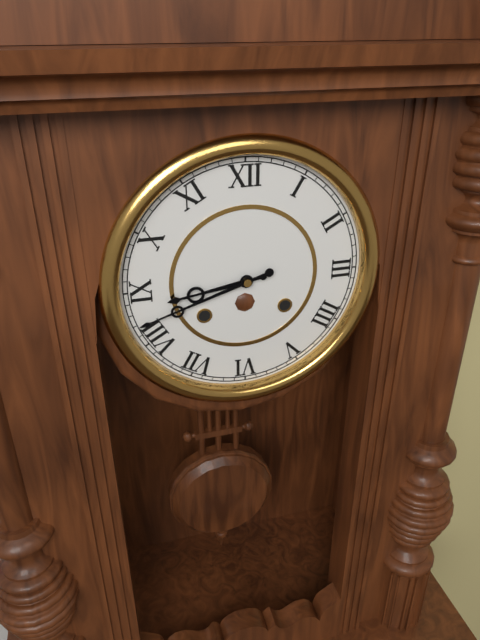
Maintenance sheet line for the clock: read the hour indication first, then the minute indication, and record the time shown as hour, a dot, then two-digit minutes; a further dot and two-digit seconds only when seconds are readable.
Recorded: 8.42
